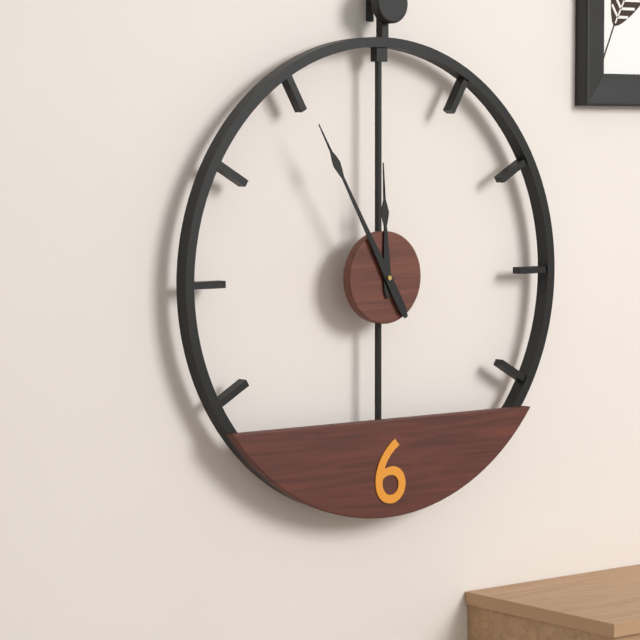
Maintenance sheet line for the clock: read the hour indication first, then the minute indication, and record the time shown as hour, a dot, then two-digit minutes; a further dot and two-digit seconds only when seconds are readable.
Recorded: 11.55
